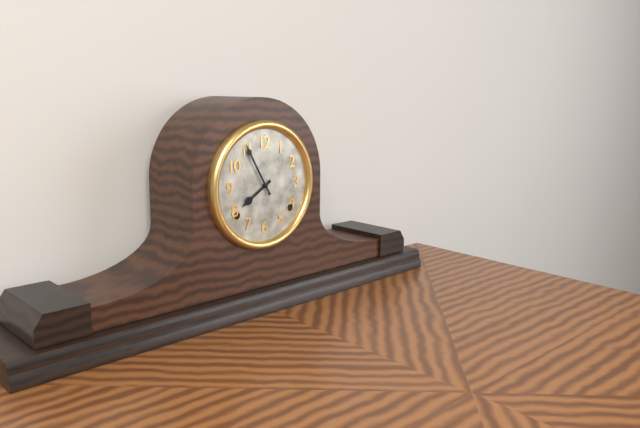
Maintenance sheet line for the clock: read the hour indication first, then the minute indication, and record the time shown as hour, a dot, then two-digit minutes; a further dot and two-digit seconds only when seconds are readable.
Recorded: 7.55
